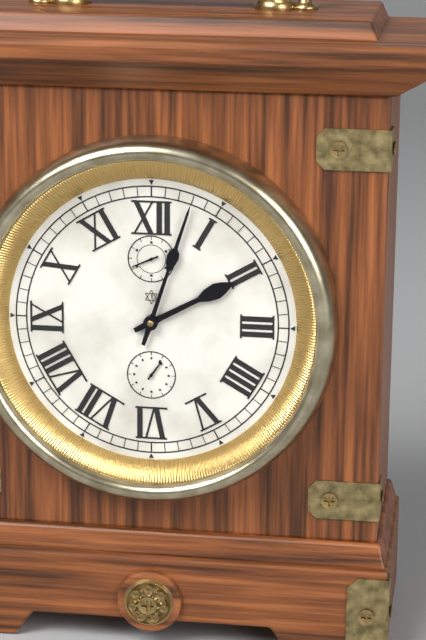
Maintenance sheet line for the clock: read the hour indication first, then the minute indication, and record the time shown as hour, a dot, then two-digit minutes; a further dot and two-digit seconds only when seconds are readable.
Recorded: 2.03
